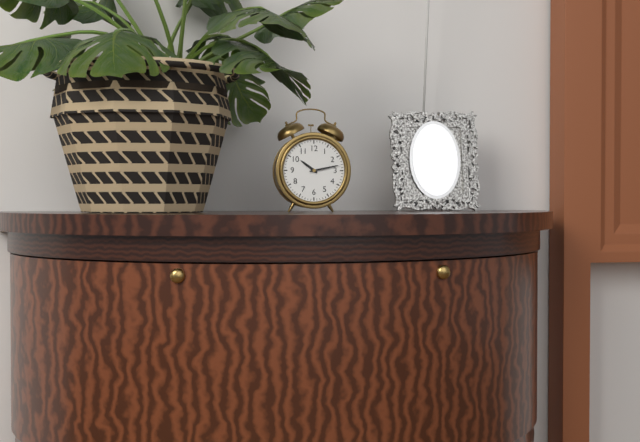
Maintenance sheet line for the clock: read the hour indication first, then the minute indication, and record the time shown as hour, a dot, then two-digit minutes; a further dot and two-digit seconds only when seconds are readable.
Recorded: 10.13
